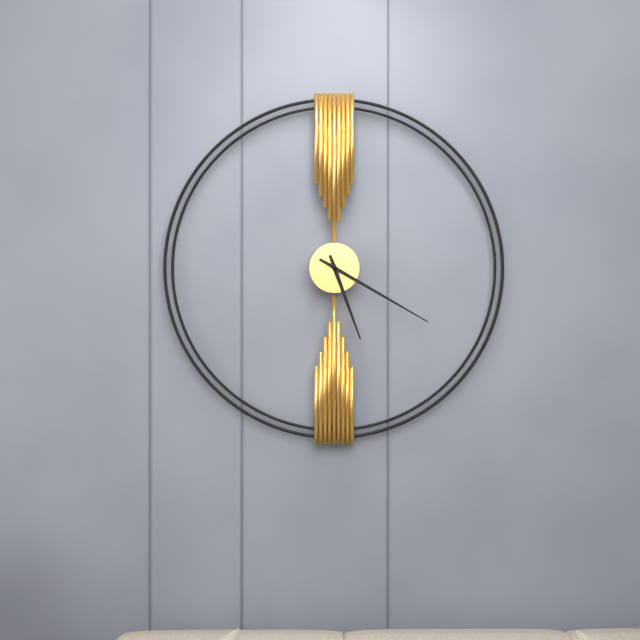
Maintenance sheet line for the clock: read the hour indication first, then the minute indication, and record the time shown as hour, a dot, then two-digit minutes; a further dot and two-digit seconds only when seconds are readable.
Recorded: 5.20
